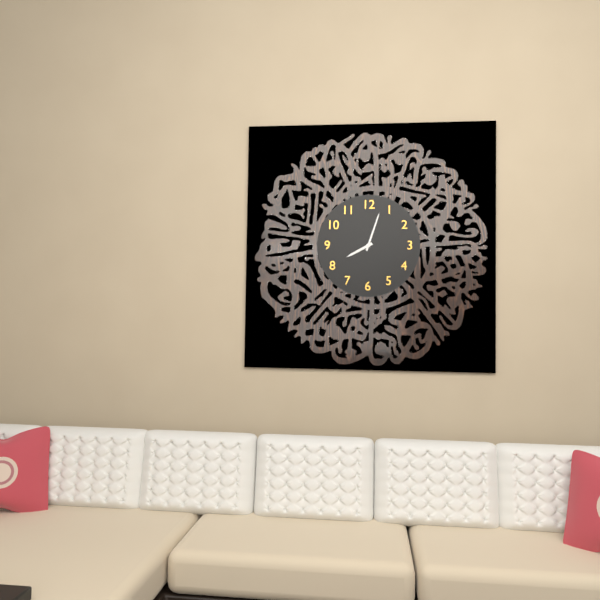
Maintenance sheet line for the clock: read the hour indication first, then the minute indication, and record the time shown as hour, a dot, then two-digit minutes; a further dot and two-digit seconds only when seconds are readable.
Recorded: 8.03
